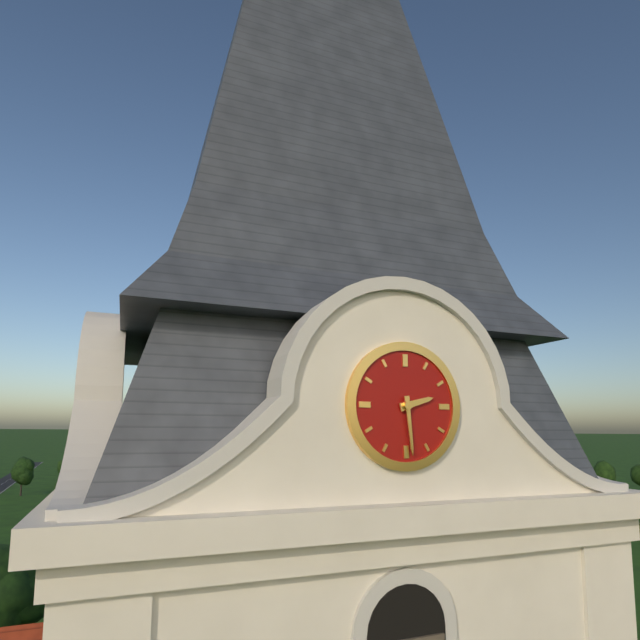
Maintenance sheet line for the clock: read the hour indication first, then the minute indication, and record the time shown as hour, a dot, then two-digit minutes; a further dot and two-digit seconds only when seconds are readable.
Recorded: 2.29
